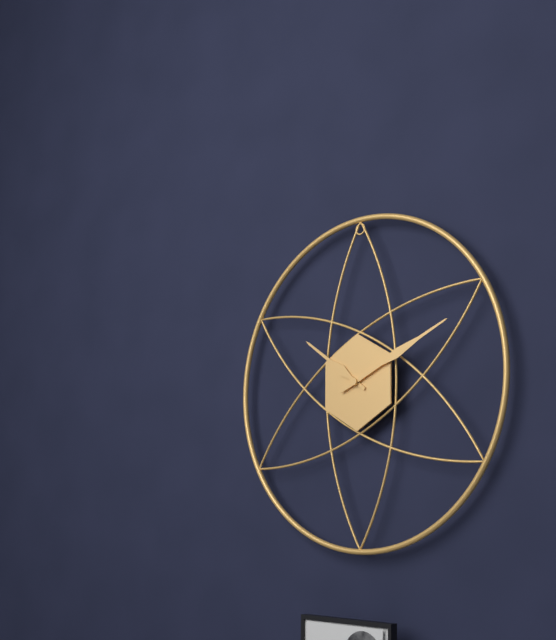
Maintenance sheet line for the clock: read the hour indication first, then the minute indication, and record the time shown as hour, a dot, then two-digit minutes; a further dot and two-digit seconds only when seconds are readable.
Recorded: 10.11
